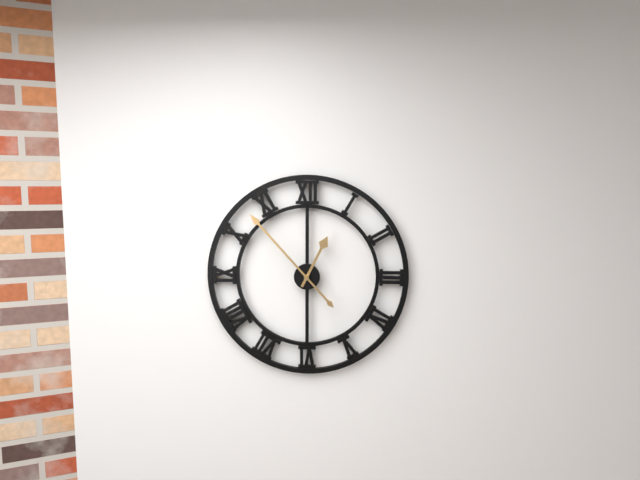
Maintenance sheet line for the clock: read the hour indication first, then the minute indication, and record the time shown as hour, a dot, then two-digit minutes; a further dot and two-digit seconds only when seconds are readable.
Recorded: 12.53
